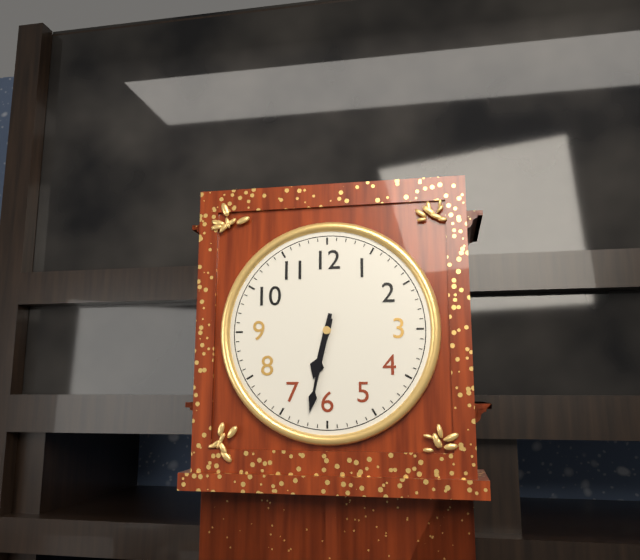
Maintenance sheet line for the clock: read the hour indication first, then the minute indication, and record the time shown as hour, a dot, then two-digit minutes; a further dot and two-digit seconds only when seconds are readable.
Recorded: 6.32
